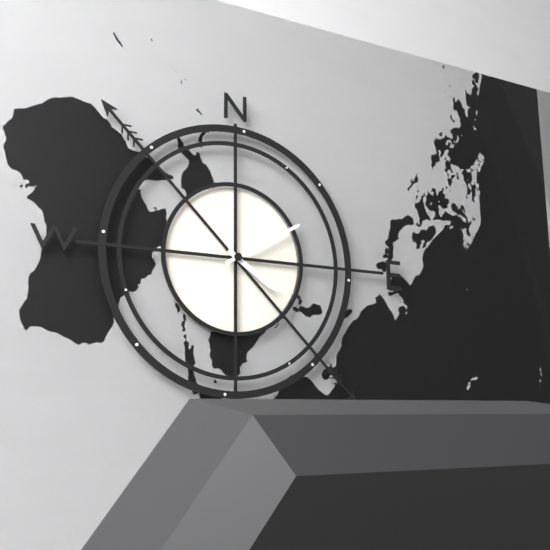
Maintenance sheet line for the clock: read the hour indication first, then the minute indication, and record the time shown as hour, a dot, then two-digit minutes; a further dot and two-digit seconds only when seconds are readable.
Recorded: 4.10
